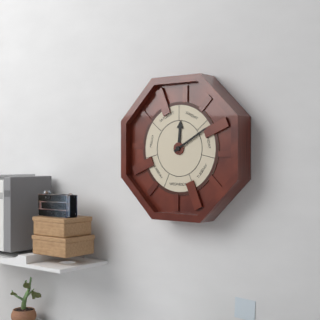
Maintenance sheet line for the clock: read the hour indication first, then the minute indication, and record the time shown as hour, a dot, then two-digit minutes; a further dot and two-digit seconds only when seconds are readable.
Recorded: 12.10
